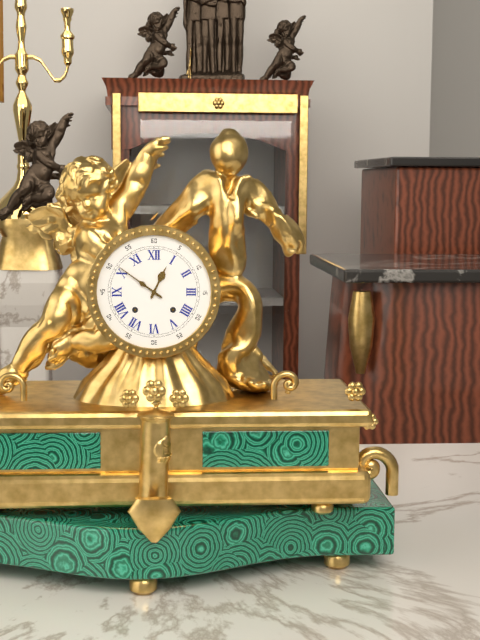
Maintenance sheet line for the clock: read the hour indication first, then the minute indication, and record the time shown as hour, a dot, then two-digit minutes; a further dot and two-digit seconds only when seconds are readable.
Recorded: 12.51
